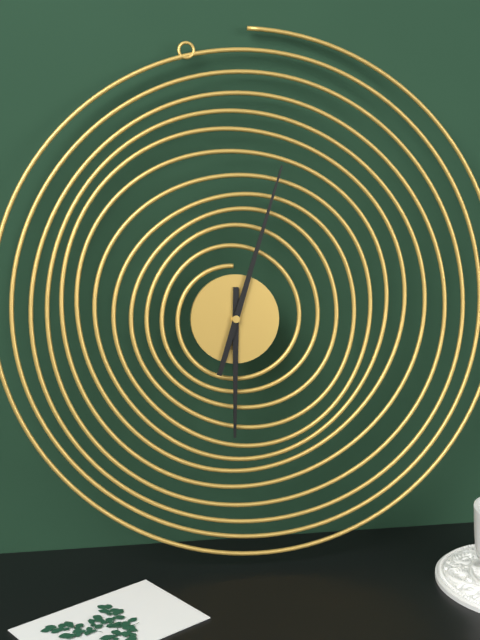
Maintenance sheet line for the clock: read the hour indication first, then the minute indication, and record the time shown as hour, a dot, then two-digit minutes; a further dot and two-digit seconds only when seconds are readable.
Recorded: 6.03
